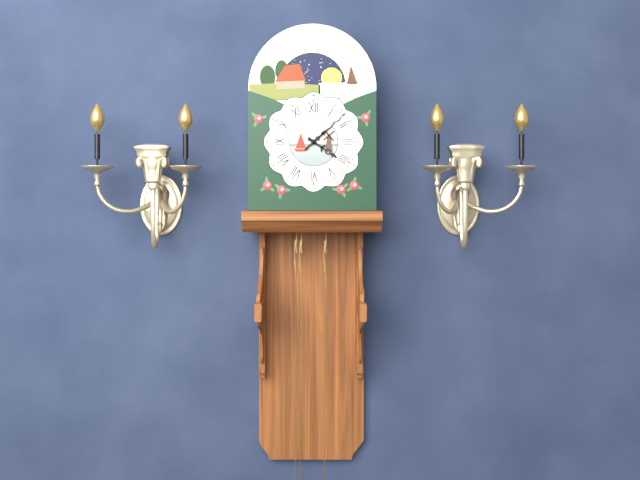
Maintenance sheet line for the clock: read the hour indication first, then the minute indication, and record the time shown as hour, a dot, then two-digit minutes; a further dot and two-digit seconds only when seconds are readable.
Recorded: 4.08
